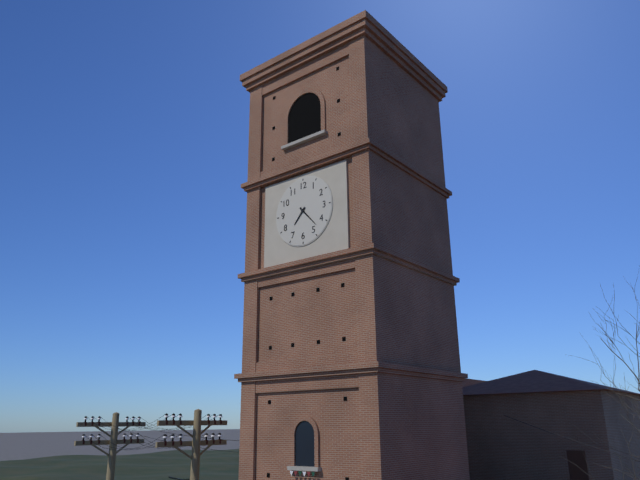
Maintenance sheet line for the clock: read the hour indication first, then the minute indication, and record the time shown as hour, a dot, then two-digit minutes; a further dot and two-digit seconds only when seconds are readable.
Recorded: 7.23
